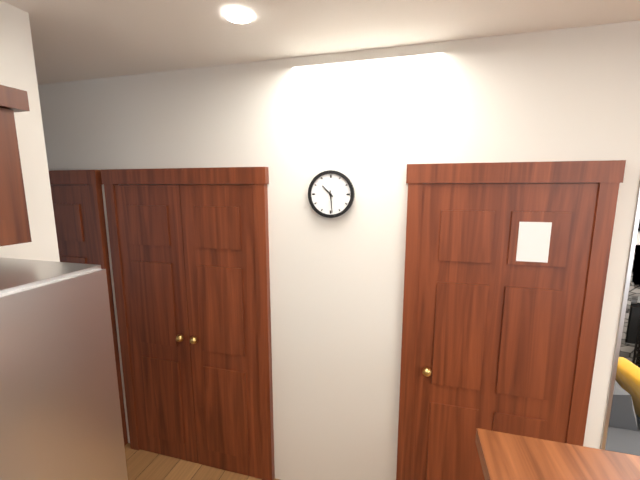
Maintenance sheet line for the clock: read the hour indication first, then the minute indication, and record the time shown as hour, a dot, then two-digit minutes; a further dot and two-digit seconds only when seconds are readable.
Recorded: 10.29
